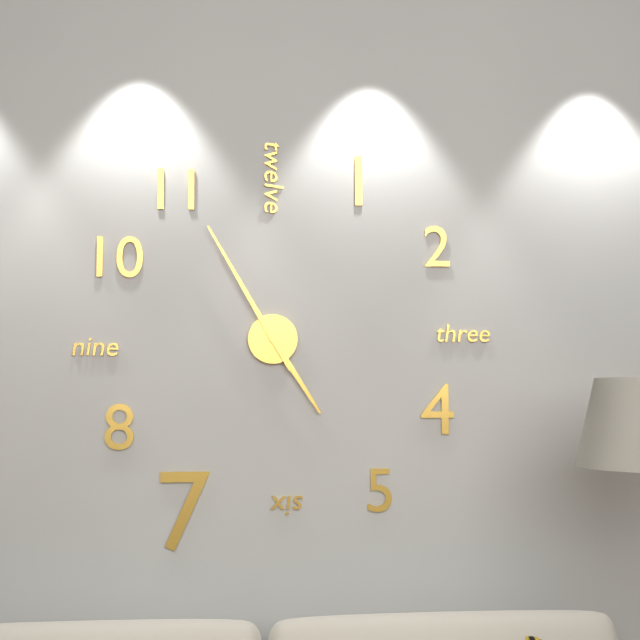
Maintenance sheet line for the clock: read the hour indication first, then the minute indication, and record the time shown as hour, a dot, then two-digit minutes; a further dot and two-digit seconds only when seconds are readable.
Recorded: 4.55
